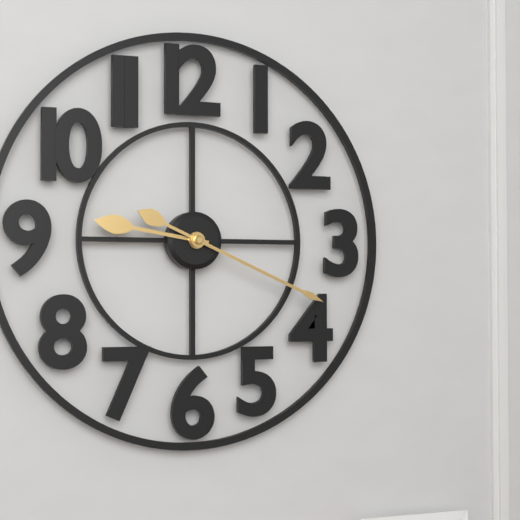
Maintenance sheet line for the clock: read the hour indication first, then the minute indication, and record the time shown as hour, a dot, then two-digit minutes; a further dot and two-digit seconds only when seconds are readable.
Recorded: 9.19
